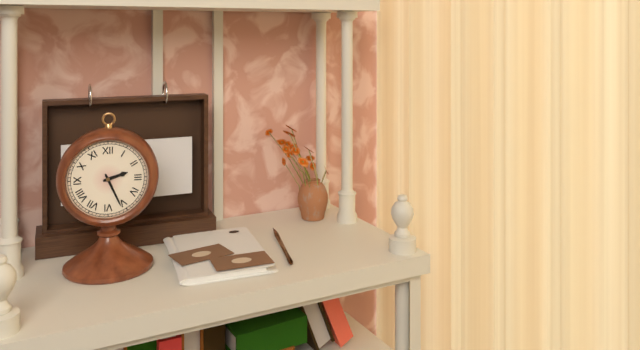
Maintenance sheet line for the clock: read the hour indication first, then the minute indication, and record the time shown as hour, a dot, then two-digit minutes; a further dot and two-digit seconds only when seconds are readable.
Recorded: 2.26
